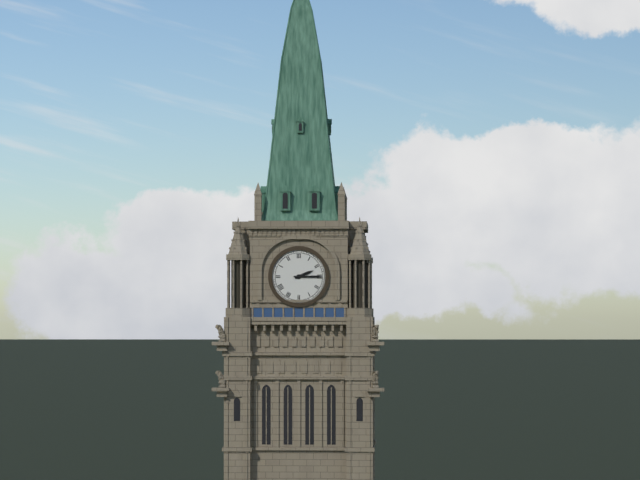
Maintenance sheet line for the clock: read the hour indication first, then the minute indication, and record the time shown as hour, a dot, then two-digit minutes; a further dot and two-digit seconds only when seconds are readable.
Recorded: 2.15
